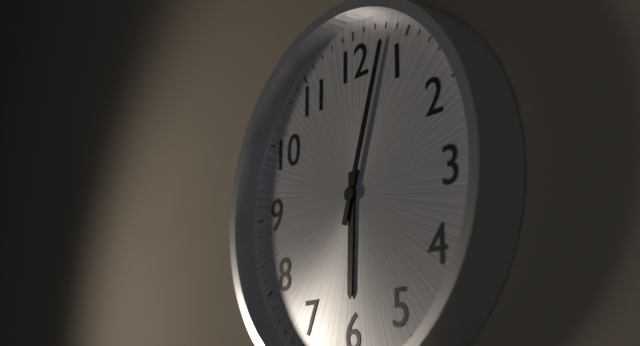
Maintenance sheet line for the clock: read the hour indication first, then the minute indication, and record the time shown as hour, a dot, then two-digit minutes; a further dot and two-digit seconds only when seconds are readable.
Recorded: 6.03
